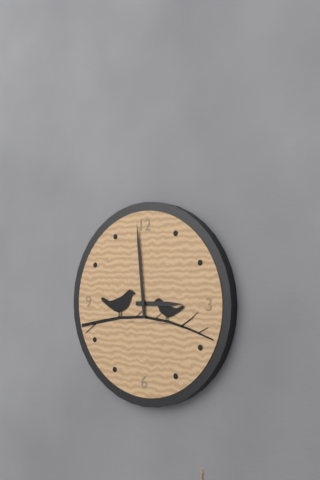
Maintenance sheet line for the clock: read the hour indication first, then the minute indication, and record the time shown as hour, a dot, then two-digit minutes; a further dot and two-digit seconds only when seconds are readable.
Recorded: 2.59
